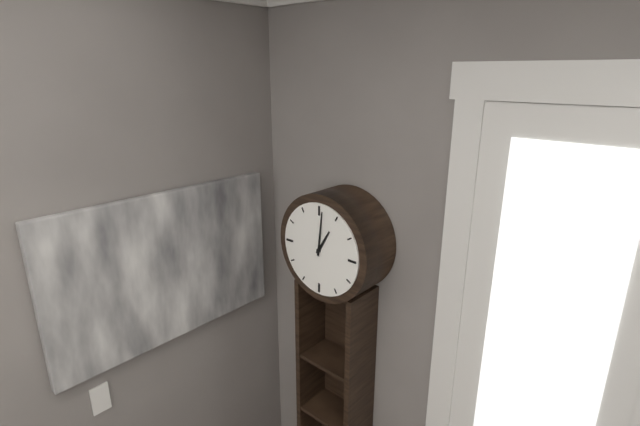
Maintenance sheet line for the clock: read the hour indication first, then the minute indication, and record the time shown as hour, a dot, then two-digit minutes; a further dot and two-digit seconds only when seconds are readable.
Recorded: 1.01
